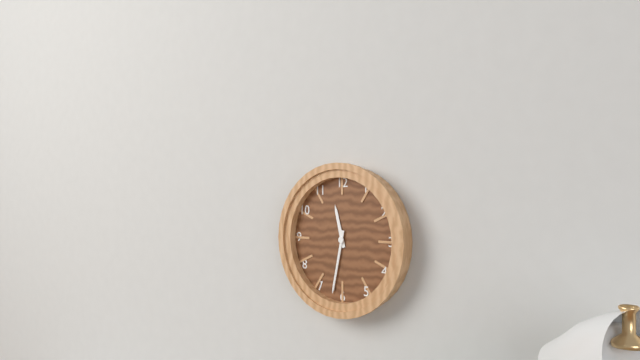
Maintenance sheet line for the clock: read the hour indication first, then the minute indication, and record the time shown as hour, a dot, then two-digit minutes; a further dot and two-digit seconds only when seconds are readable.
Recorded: 11.32
